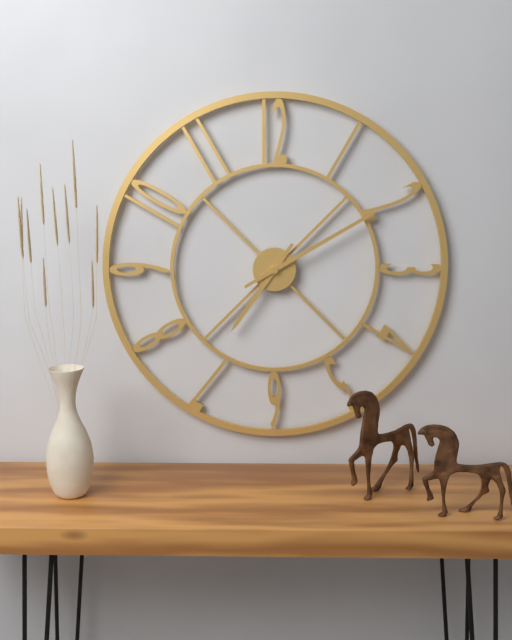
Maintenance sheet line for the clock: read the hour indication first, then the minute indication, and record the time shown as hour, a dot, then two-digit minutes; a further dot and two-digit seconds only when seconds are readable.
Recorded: 7.10
